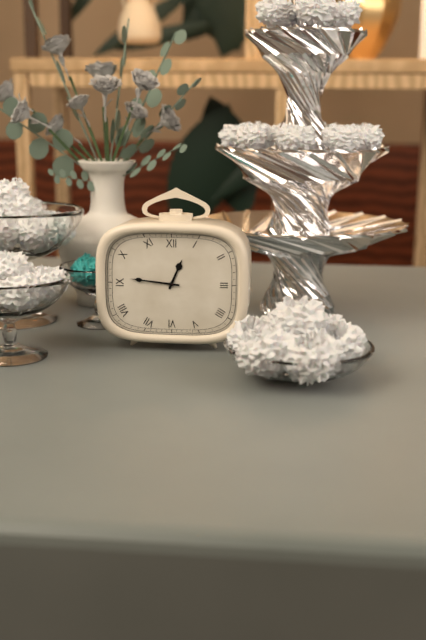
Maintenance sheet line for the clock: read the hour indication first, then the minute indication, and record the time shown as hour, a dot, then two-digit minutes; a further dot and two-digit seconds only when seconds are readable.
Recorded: 12.46
